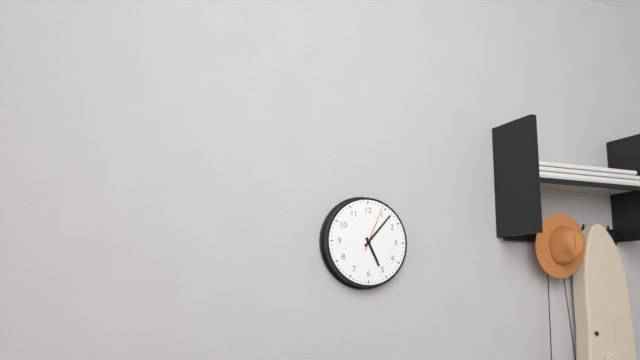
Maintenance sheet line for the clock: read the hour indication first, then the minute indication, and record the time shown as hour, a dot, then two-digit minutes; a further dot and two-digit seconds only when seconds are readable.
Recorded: 5.07
